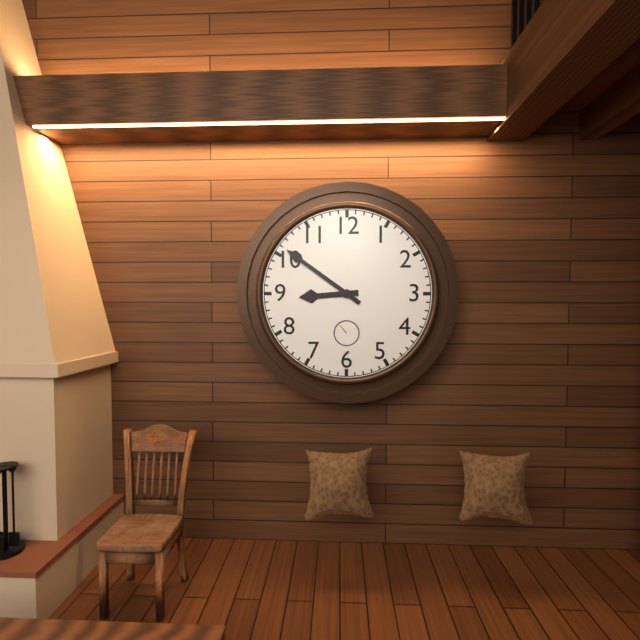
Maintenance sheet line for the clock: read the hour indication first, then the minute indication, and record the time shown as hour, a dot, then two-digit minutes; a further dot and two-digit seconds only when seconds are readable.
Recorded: 8.51
